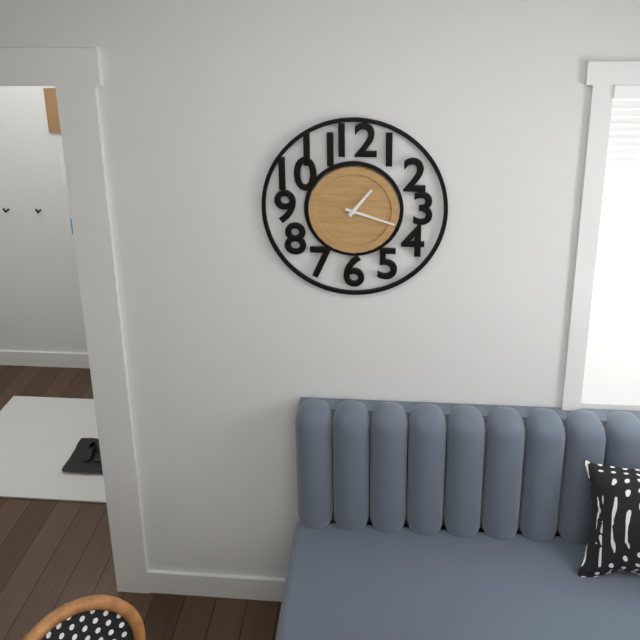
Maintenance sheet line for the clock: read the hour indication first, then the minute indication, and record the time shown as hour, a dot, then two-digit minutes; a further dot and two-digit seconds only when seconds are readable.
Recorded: 1.18
